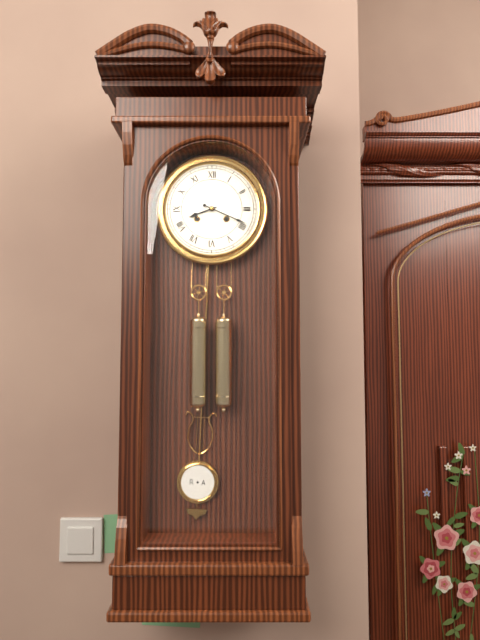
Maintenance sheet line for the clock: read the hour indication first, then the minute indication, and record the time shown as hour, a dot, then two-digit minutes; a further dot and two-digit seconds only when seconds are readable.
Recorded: 8.19
